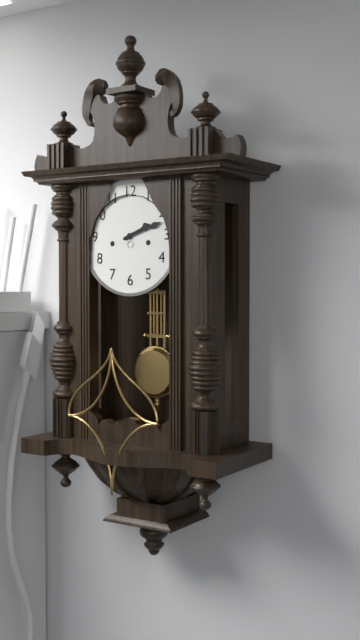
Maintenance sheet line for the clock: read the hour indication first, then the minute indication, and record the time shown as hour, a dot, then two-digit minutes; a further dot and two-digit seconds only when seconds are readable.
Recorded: 2.12
